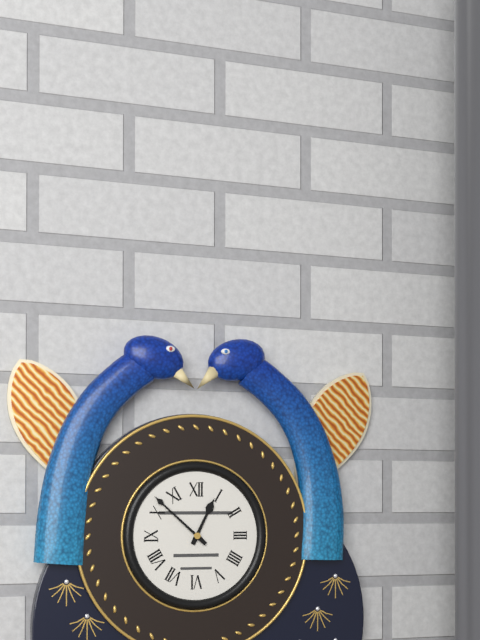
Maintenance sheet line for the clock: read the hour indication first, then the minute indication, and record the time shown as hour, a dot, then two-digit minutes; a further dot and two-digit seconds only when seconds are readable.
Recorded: 12.52
